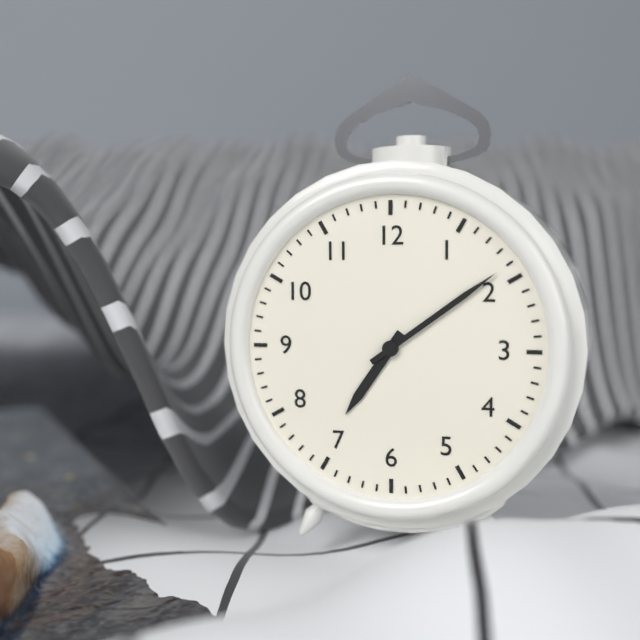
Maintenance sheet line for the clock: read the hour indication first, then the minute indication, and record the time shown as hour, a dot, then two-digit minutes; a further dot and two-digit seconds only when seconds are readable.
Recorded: 7.09
